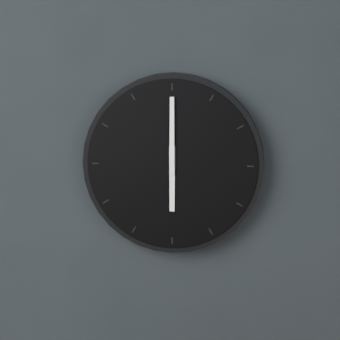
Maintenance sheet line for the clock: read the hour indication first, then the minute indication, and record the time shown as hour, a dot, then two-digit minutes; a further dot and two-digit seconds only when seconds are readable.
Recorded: 6.00
